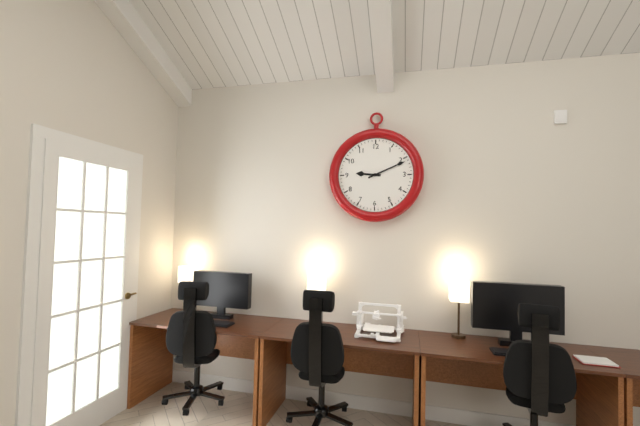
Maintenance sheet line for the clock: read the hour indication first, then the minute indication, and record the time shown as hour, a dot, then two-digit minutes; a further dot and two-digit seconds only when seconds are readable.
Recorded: 9.11
